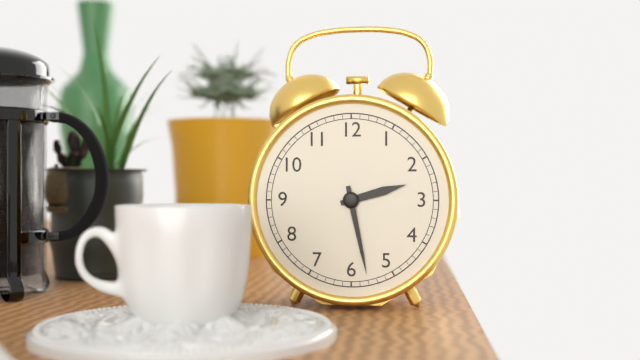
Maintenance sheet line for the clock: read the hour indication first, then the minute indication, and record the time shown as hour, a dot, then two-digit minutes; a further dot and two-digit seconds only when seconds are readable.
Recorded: 2.28
